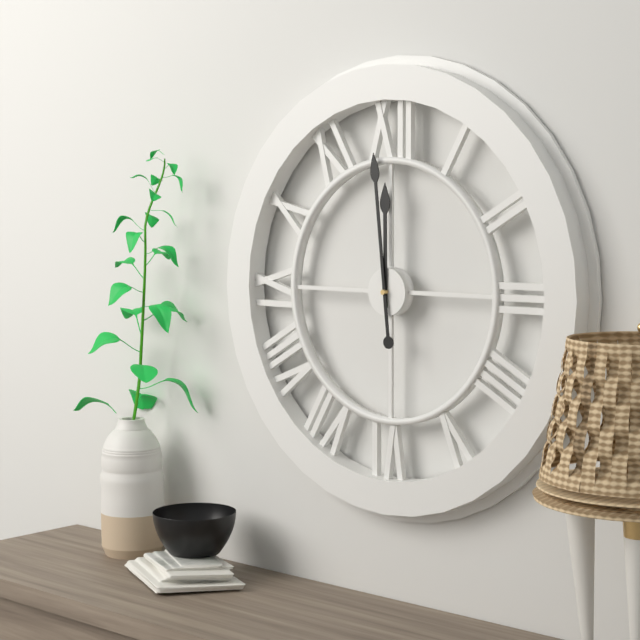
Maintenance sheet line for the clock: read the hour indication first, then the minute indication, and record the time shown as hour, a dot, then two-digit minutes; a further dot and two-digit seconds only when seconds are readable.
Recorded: 11.59
